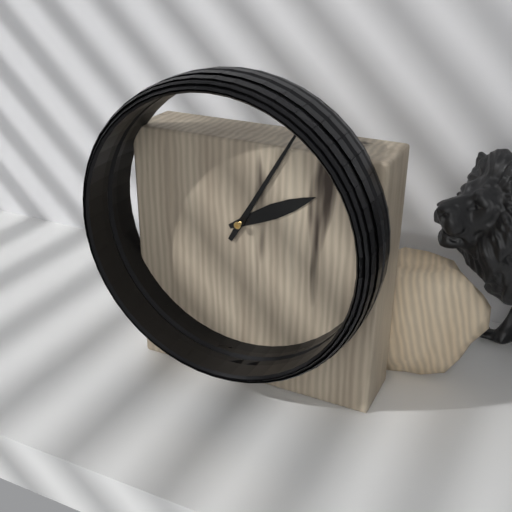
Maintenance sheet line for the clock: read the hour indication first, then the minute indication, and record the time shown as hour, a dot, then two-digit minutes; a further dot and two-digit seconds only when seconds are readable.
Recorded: 2.05
